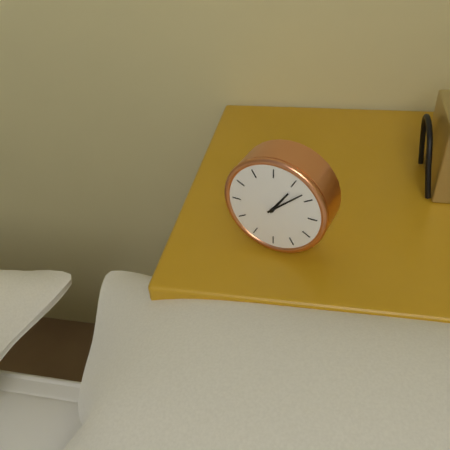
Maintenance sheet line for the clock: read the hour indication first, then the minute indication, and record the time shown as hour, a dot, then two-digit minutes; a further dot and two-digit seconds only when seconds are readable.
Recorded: 1.08
